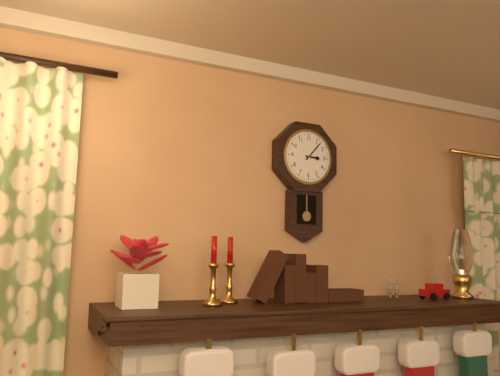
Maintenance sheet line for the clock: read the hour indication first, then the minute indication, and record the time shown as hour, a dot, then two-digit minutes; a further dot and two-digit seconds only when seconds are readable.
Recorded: 3.07
